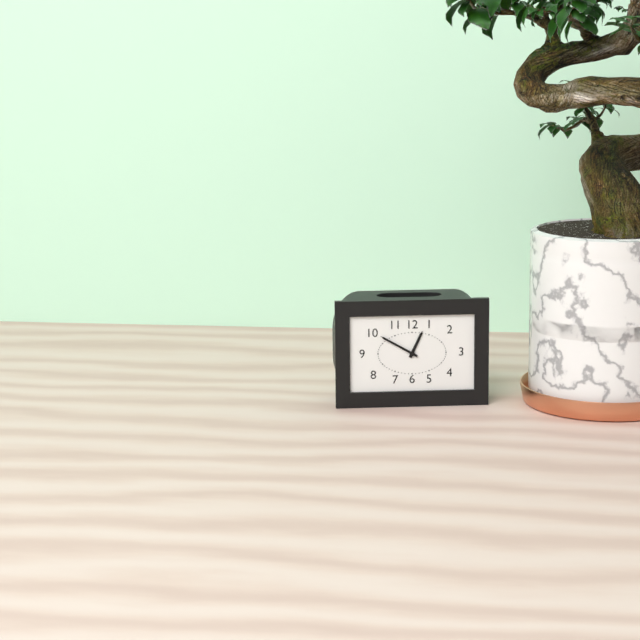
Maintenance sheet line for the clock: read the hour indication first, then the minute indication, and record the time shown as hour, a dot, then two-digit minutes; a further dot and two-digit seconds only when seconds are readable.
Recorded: 12.50
